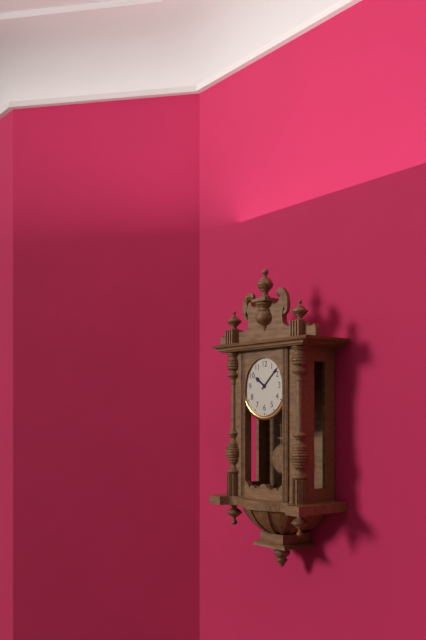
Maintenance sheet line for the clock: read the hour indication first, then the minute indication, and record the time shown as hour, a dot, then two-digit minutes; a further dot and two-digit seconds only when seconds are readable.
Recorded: 10.08
